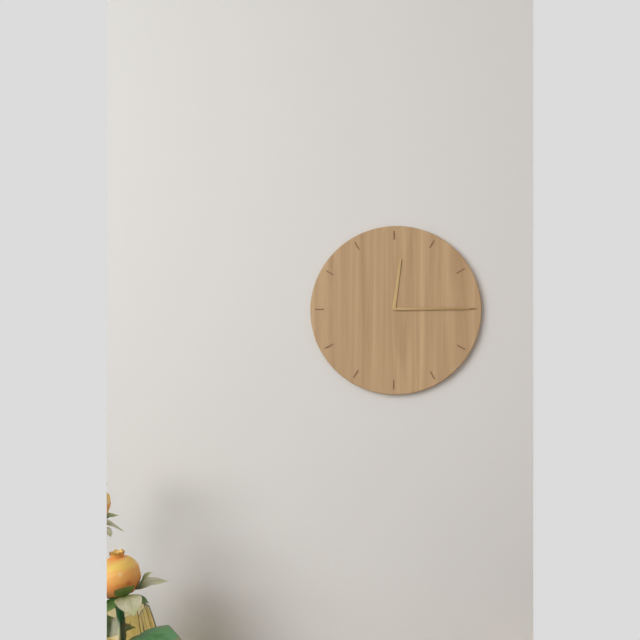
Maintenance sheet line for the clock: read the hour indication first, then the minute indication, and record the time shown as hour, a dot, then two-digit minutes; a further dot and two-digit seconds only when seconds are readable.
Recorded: 12.15
